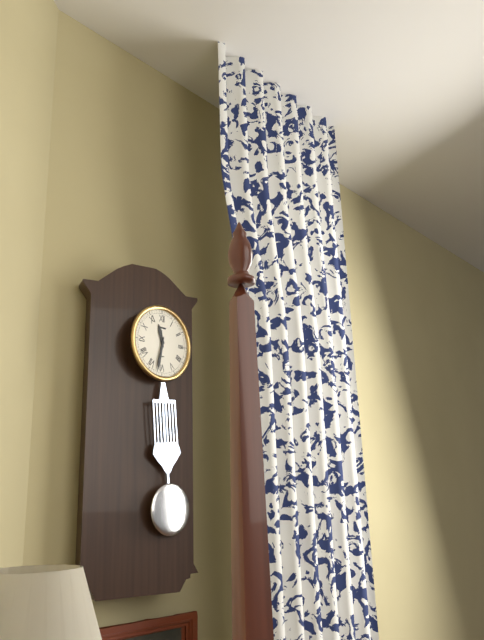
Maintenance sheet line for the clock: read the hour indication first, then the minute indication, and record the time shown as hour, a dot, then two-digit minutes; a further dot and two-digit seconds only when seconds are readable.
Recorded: 11.32
